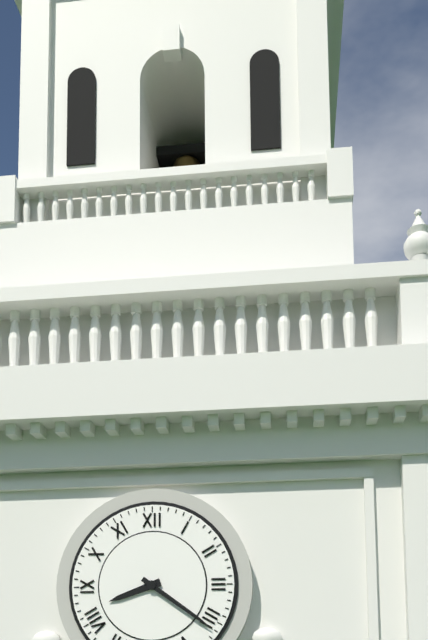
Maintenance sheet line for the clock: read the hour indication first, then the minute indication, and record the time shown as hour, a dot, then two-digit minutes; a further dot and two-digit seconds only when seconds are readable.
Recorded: 8.21
